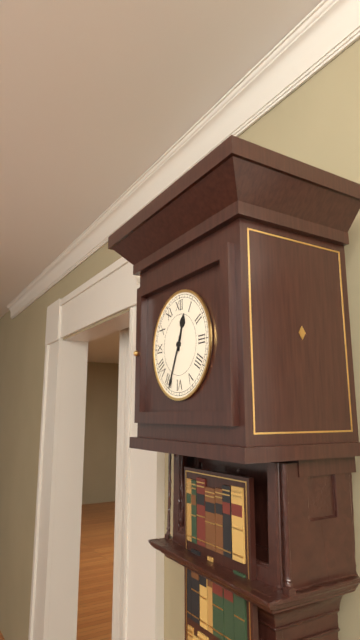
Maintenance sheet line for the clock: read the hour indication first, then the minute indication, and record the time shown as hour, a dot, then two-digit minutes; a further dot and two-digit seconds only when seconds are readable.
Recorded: 12.34
